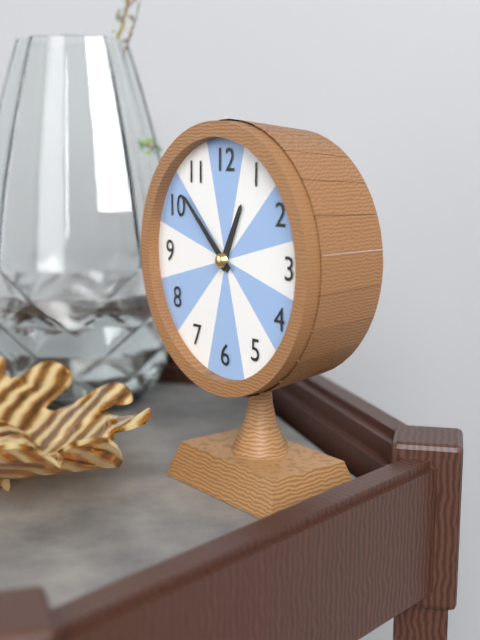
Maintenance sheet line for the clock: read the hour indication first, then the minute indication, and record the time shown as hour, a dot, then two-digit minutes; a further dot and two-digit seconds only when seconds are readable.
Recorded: 12.52
